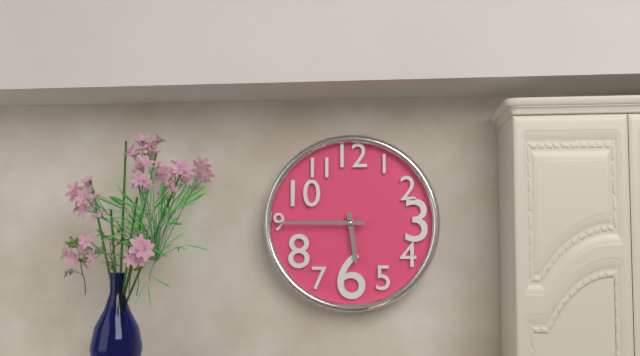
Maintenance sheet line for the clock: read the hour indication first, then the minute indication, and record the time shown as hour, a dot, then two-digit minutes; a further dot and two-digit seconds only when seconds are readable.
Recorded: 5.45
